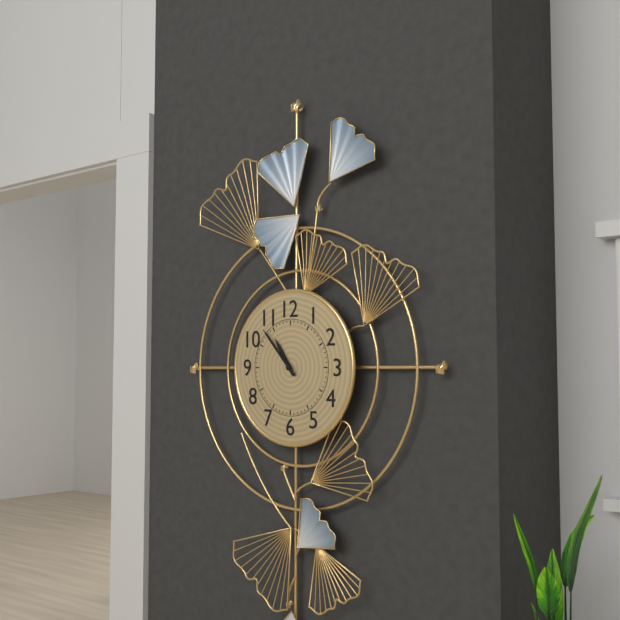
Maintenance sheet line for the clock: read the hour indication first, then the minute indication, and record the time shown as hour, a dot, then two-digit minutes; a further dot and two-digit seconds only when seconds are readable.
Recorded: 10.53
